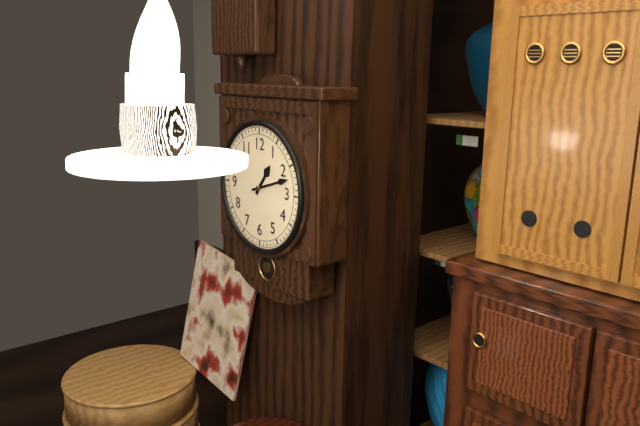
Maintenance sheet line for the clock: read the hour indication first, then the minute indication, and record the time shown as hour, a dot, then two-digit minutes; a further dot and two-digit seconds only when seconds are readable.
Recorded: 1.12
